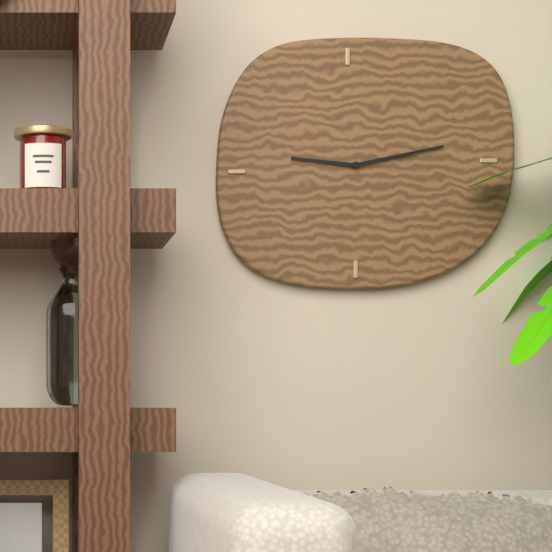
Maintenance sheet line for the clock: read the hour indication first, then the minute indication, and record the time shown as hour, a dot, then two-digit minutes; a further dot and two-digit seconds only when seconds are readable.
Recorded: 9.13
